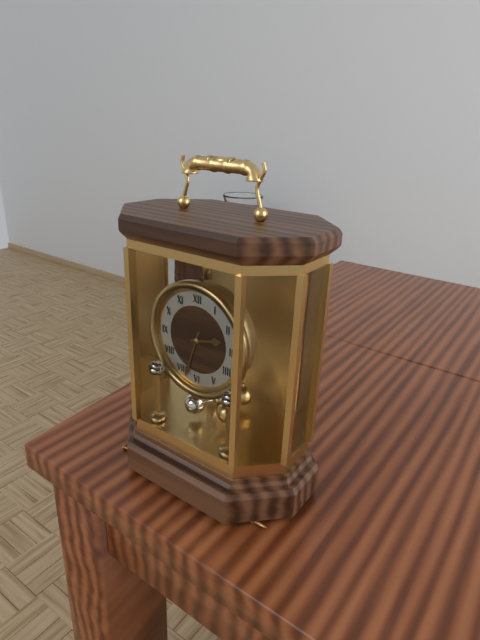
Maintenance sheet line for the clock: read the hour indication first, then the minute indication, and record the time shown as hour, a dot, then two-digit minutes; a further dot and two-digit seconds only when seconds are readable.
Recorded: 2.33
